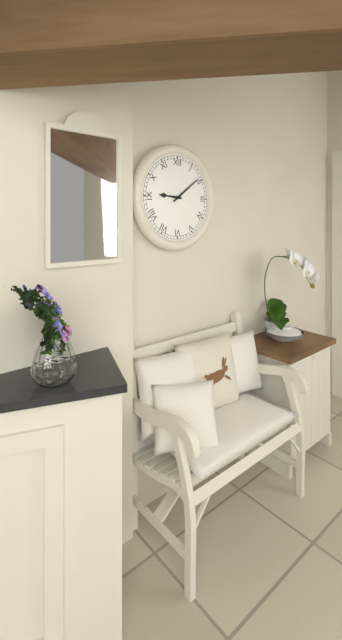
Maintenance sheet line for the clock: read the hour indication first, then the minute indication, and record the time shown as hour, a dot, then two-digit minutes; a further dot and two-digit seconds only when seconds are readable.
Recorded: 9.09
